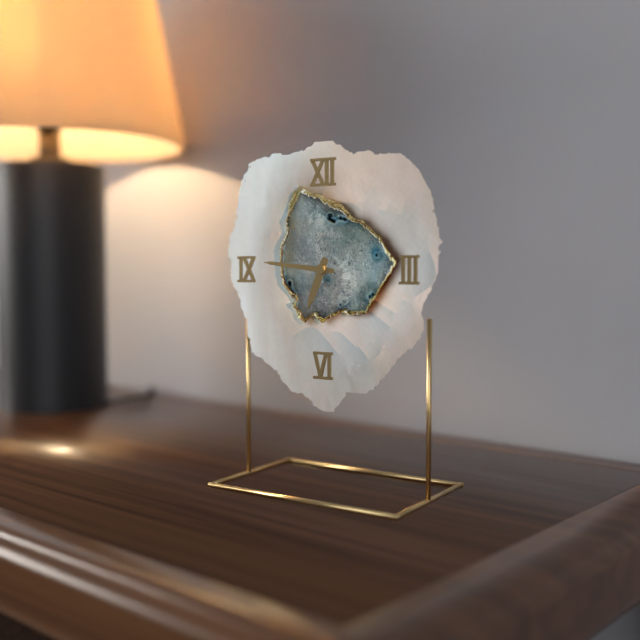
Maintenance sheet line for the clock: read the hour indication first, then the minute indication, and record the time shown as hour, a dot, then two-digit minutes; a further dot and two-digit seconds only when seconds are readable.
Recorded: 6.46
